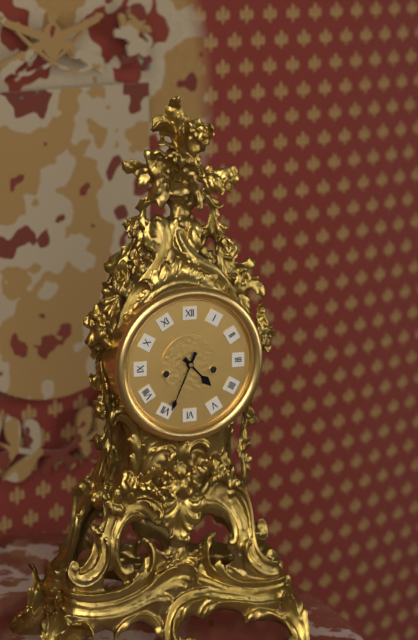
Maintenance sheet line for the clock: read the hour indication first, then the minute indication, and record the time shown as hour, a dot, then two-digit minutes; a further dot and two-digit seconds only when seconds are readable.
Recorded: 4.34
